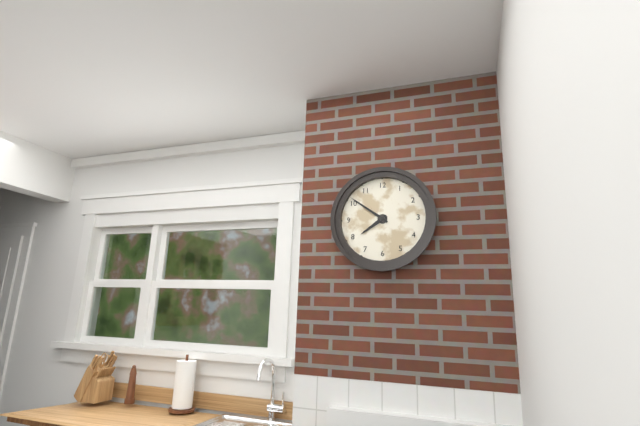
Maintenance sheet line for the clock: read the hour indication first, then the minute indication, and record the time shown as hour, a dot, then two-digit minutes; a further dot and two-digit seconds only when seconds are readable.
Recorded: 7.51
